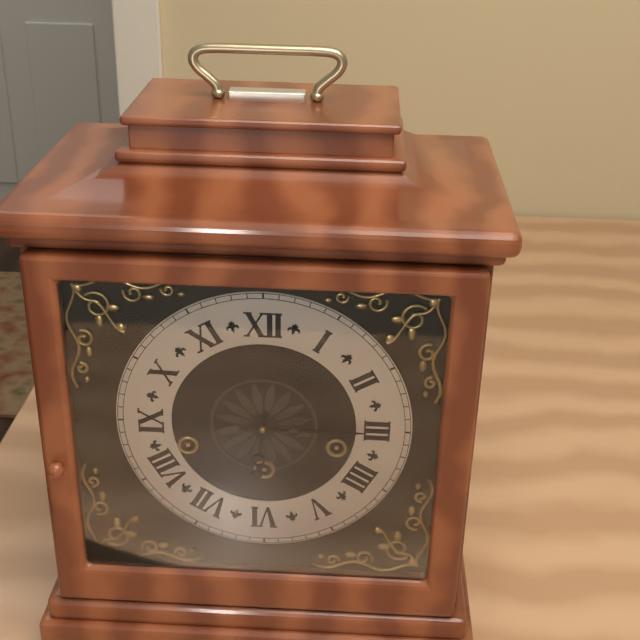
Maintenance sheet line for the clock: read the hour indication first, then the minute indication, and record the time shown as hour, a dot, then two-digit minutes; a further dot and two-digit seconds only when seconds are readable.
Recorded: 6.15
